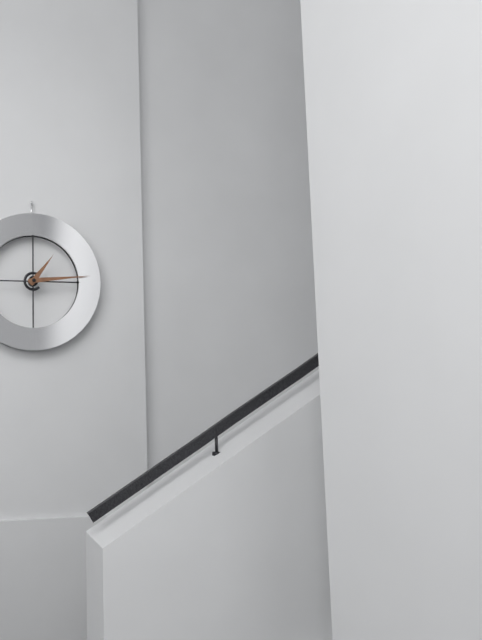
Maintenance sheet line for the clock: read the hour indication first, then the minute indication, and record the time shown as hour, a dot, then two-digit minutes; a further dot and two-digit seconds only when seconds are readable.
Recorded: 1.14
